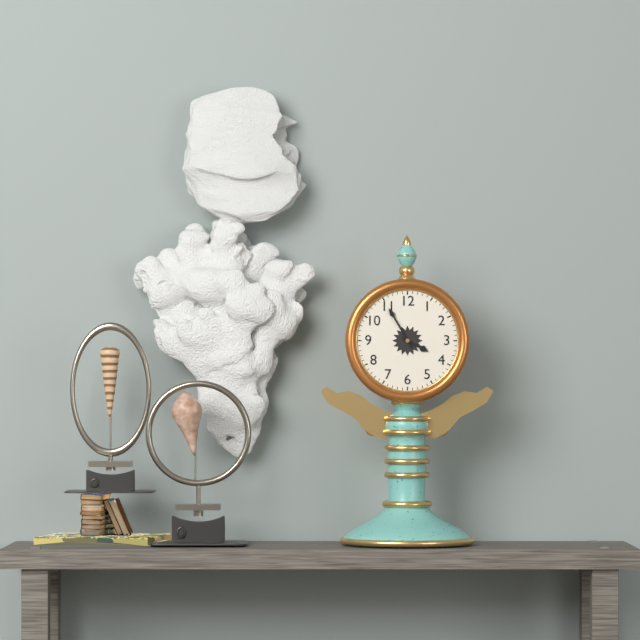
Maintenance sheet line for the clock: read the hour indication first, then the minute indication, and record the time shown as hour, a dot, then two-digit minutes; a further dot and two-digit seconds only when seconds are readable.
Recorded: 3.55
